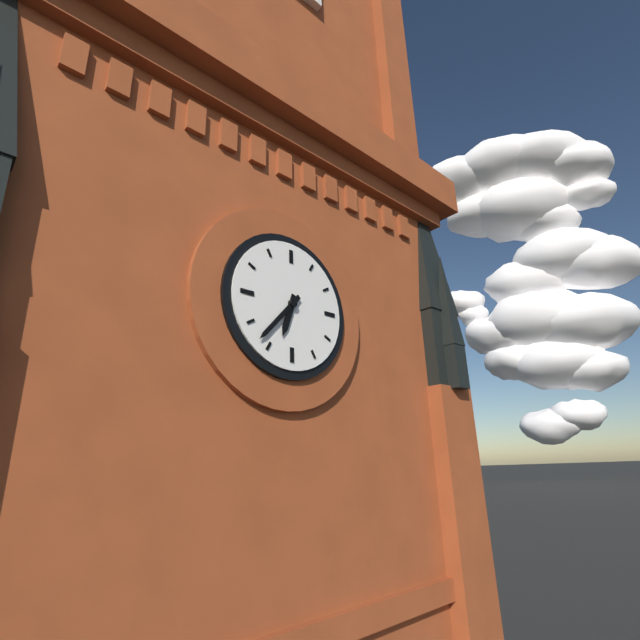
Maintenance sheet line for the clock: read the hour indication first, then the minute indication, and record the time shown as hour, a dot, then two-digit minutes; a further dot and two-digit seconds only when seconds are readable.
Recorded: 6.37
